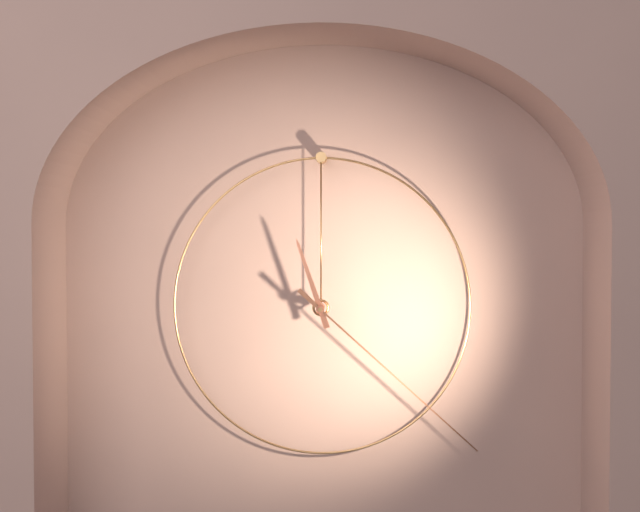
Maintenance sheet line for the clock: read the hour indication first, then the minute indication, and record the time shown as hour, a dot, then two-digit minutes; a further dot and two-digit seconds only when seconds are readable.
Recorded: 11.22
